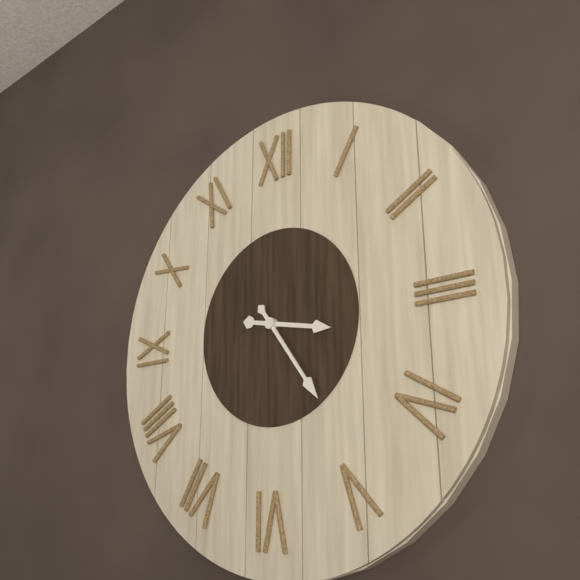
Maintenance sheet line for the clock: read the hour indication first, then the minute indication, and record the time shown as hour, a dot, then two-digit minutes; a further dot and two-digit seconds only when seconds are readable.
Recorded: 3.24
